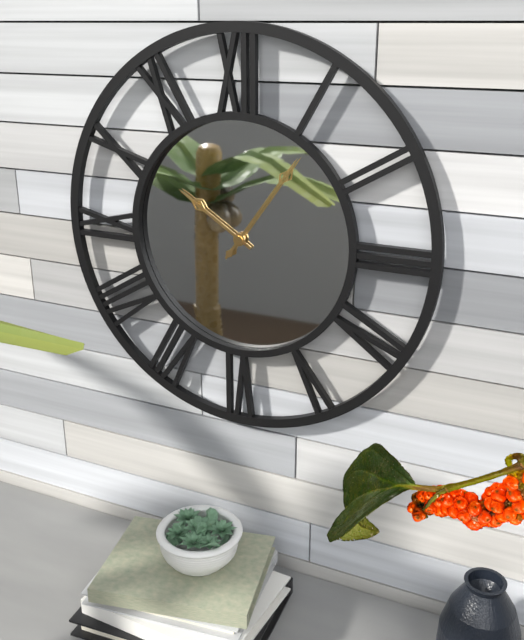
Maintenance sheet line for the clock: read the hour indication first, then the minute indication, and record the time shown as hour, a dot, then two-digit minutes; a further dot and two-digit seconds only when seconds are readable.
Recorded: 10.06
